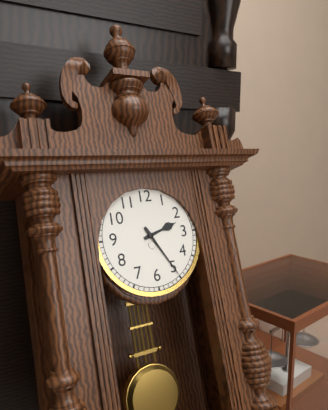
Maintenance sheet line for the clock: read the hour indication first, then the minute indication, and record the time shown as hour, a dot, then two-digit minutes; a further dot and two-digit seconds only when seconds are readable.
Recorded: 2.25
